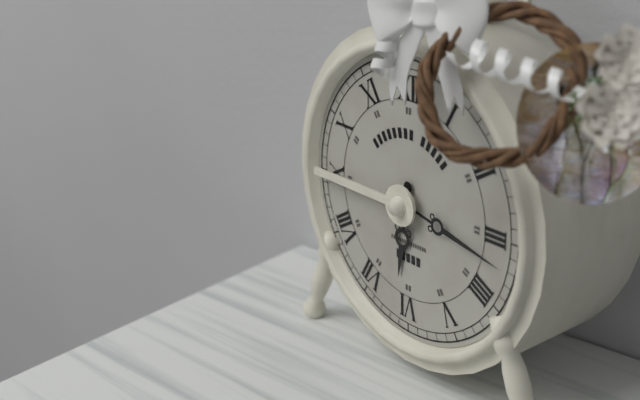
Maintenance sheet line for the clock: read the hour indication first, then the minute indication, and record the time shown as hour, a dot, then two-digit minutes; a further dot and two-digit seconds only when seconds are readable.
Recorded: 6.17
